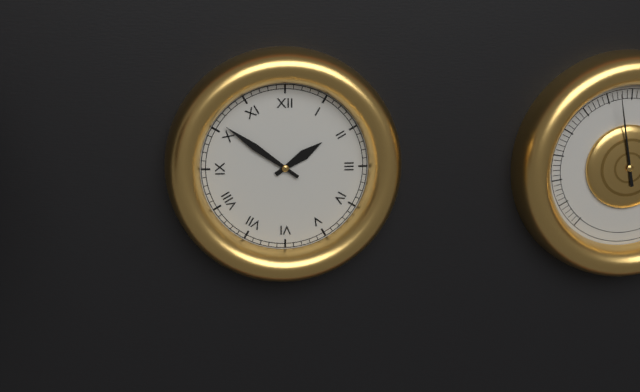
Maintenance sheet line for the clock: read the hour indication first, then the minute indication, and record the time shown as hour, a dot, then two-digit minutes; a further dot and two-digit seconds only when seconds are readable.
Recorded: 1.51
